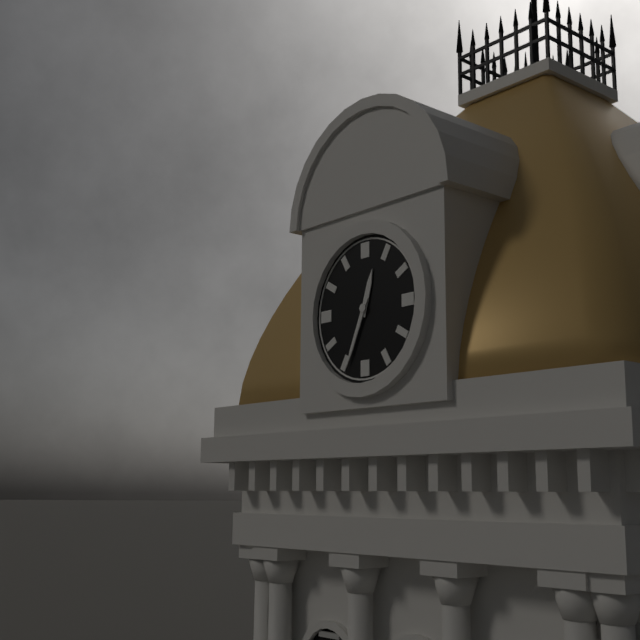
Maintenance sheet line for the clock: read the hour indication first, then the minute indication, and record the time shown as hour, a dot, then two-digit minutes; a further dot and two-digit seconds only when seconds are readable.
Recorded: 12.34
